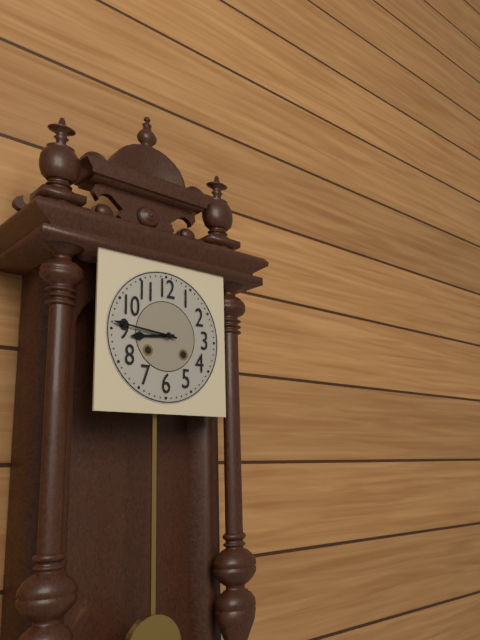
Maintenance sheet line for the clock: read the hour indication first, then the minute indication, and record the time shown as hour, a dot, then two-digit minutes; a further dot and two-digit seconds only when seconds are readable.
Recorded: 8.46
